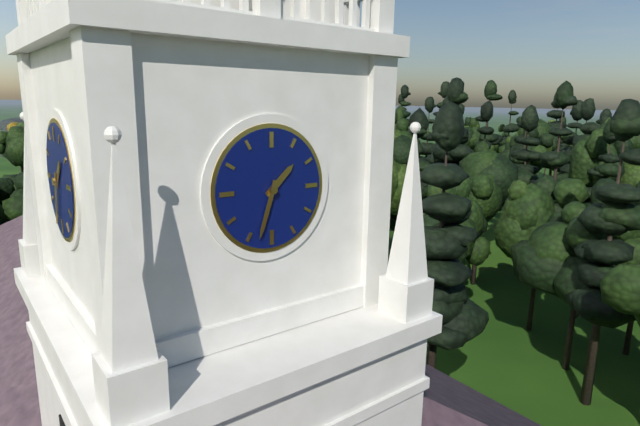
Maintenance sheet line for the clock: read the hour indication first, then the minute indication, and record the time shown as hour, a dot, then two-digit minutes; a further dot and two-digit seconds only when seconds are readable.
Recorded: 1.33
